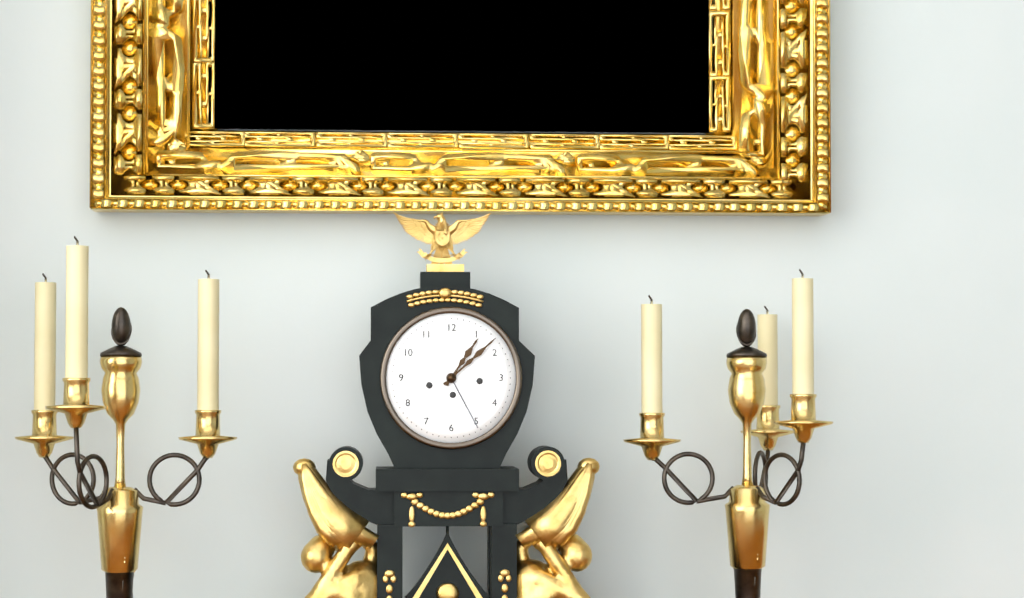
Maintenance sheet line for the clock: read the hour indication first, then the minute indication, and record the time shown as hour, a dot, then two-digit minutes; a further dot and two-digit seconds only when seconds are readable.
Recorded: 1.08
